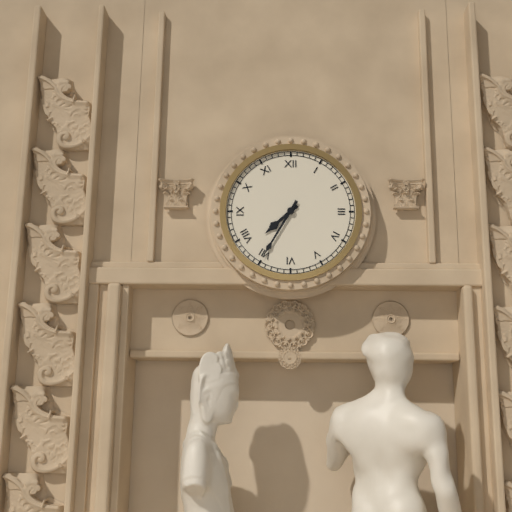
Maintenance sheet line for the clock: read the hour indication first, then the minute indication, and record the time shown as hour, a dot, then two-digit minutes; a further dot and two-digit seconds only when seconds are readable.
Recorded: 7.35
